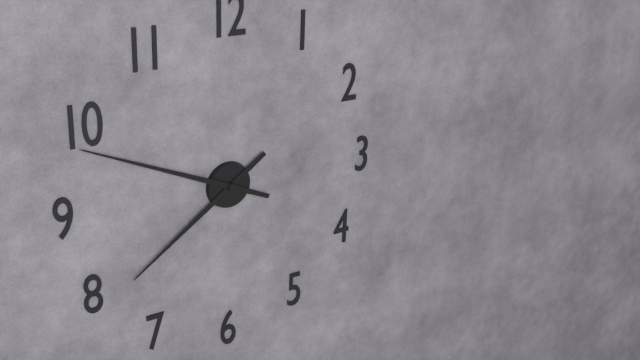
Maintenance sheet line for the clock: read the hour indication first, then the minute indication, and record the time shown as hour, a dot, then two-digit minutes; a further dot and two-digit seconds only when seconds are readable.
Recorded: 7.49
